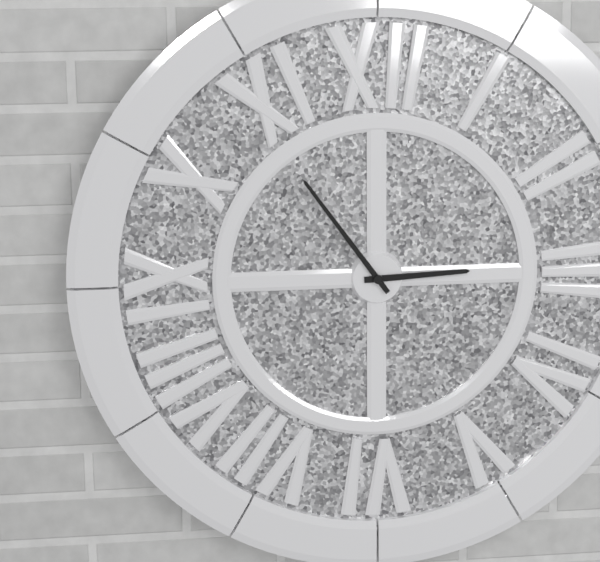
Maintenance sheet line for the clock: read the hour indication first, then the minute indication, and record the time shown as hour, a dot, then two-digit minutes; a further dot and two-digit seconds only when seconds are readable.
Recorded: 2.54
